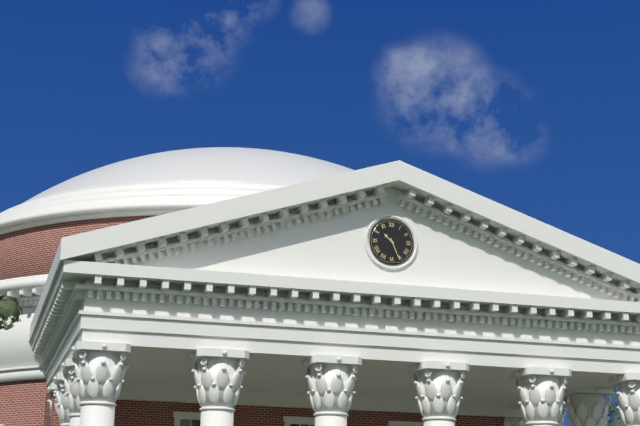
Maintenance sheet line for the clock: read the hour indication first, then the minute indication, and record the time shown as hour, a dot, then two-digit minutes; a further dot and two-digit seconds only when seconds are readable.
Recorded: 10.26
